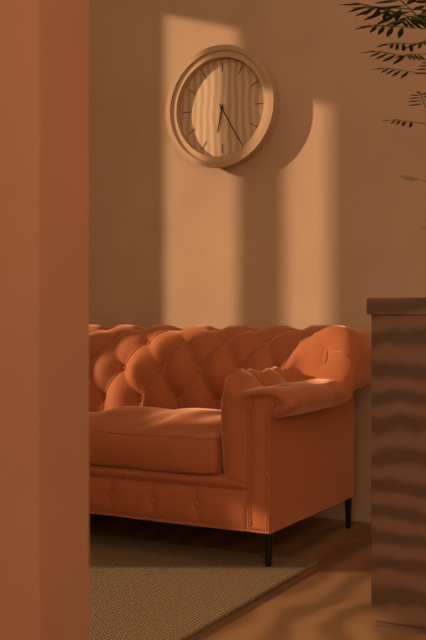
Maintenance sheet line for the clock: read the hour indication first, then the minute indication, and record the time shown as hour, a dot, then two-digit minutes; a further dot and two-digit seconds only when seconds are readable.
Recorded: 6.25
